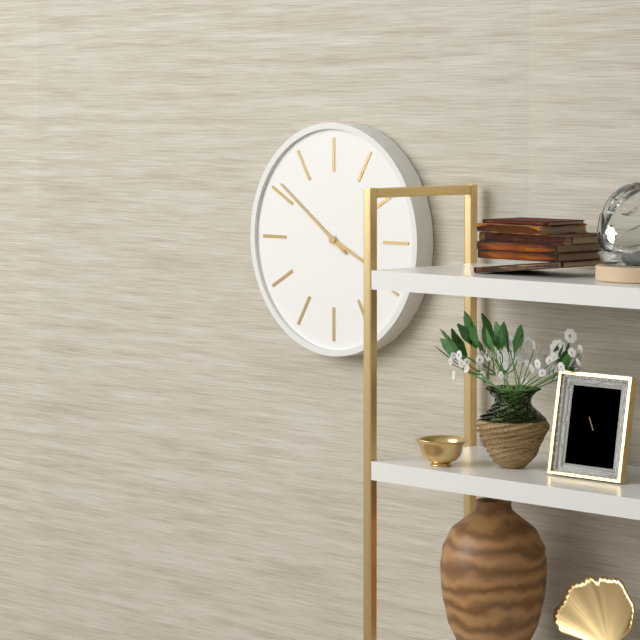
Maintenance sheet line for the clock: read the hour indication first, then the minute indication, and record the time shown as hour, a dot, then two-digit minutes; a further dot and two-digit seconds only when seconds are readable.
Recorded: 3.51
